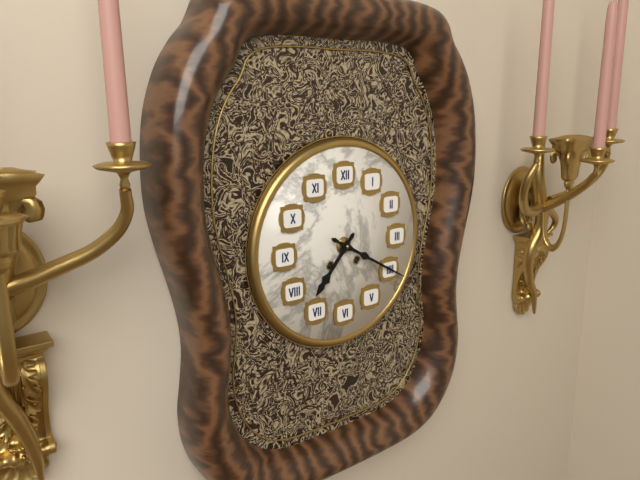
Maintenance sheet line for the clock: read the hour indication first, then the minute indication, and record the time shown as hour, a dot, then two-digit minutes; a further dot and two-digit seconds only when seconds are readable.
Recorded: 7.20
